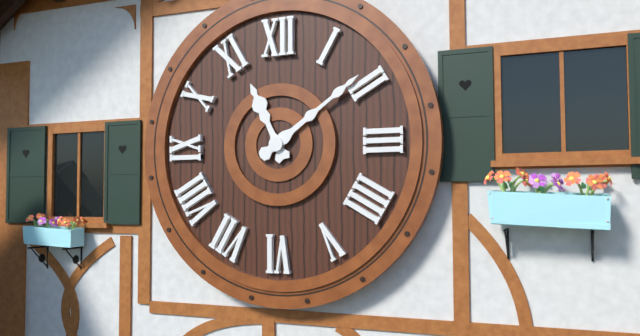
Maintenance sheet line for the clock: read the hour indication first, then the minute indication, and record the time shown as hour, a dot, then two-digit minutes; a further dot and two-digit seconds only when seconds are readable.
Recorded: 11.09
